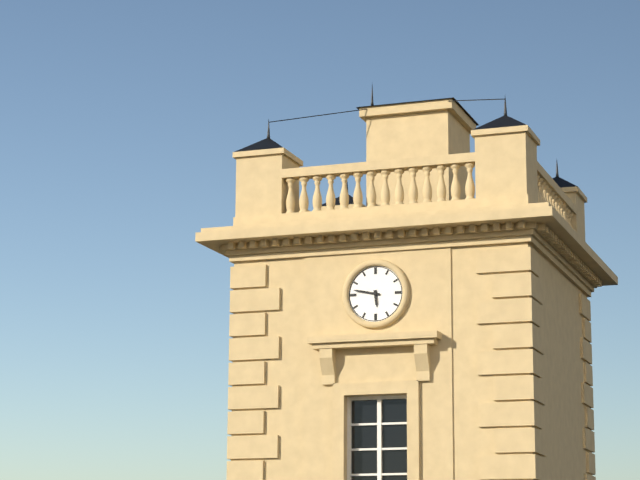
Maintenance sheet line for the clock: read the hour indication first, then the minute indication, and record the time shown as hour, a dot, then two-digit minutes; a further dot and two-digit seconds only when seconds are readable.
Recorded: 5.47
